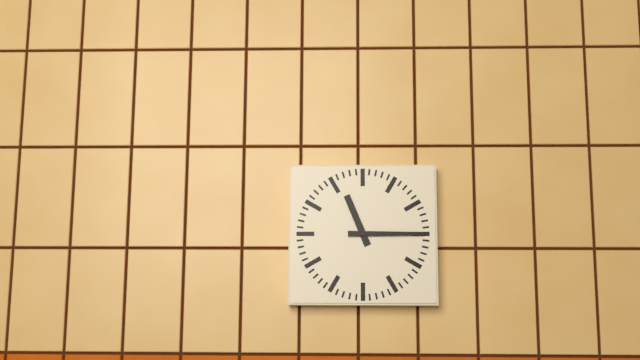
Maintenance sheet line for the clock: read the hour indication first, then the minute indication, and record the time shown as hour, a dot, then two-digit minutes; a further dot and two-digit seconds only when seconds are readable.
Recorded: 11.15
